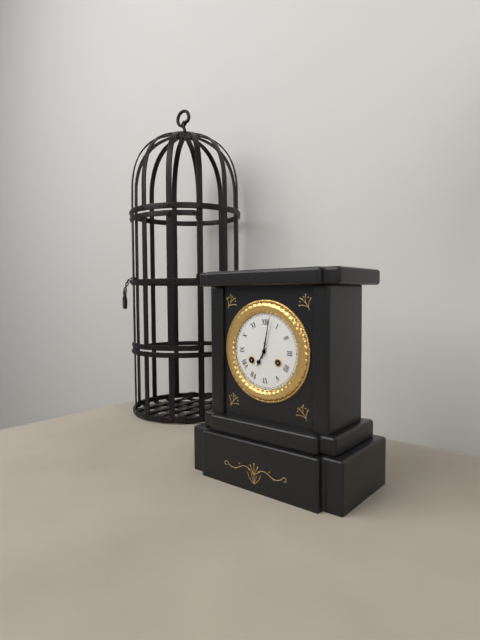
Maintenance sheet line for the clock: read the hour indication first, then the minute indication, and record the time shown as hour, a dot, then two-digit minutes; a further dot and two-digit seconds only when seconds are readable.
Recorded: 7.02
